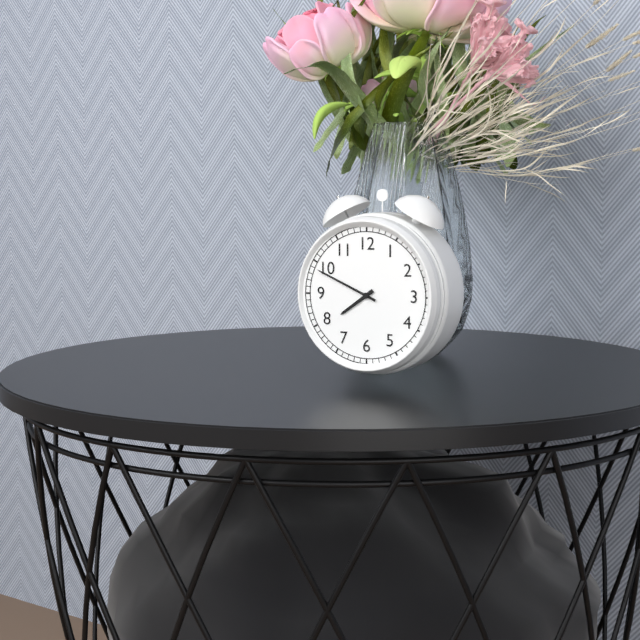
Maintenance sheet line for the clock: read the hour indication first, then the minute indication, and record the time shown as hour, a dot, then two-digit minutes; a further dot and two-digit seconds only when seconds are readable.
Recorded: 7.49
